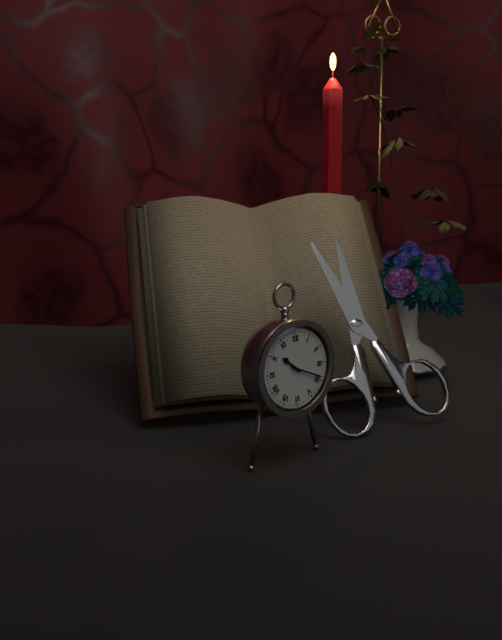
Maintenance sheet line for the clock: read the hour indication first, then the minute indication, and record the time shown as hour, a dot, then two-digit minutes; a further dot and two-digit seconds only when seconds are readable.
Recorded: 10.19
